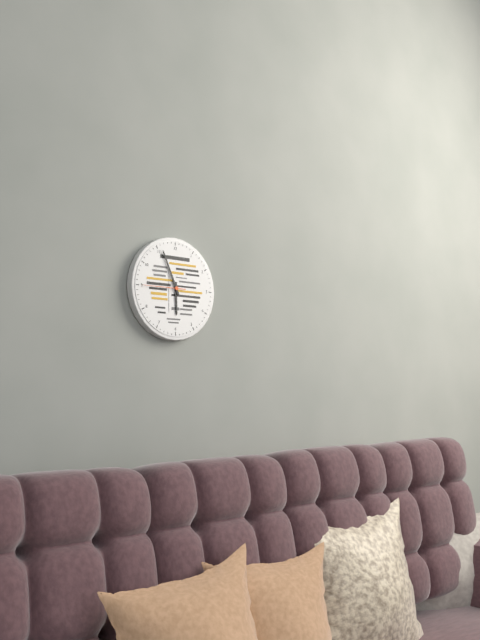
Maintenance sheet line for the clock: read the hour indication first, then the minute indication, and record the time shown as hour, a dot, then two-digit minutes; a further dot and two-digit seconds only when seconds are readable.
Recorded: 5.56
